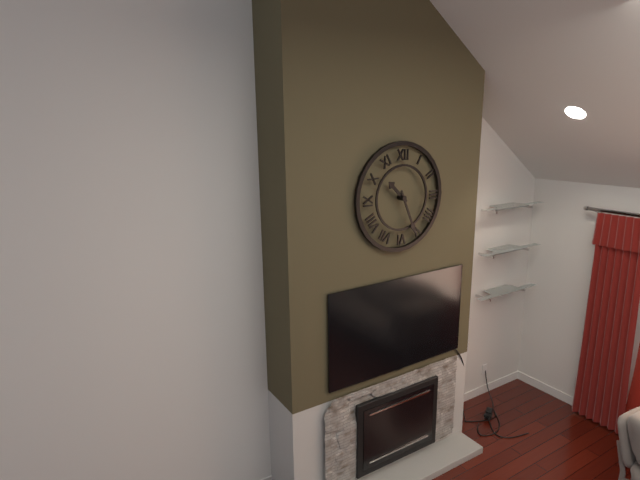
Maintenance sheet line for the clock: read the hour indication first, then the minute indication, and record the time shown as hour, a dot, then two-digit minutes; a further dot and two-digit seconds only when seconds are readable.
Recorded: 10.26
